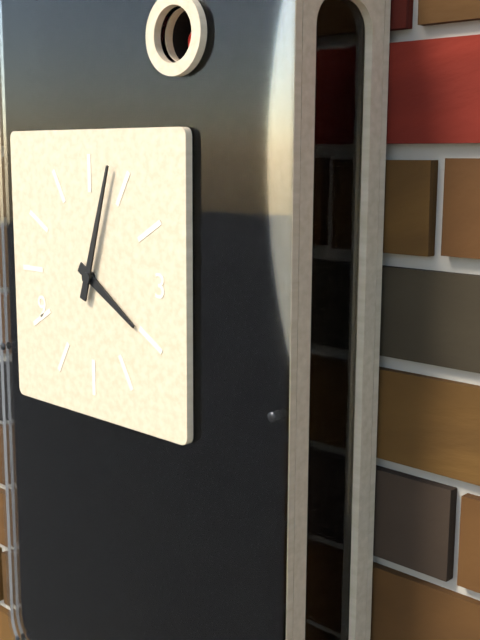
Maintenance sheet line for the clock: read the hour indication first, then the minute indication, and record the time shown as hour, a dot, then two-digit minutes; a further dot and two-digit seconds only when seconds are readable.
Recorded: 4.03
